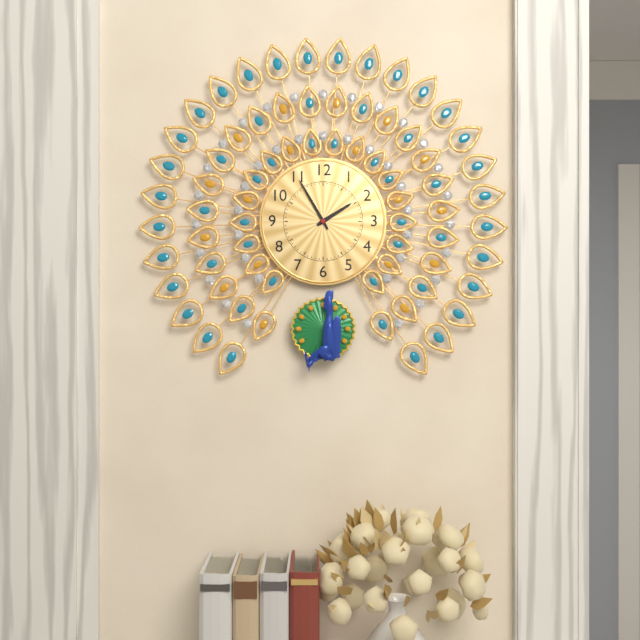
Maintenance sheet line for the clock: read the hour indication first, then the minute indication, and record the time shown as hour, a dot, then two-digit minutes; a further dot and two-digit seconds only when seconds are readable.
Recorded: 1.55
